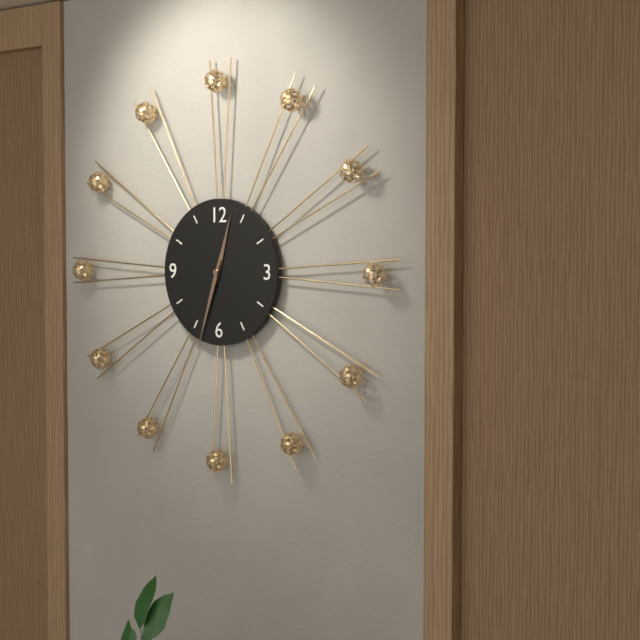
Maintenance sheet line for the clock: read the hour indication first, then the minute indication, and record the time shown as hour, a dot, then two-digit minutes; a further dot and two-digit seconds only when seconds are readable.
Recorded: 12.33
